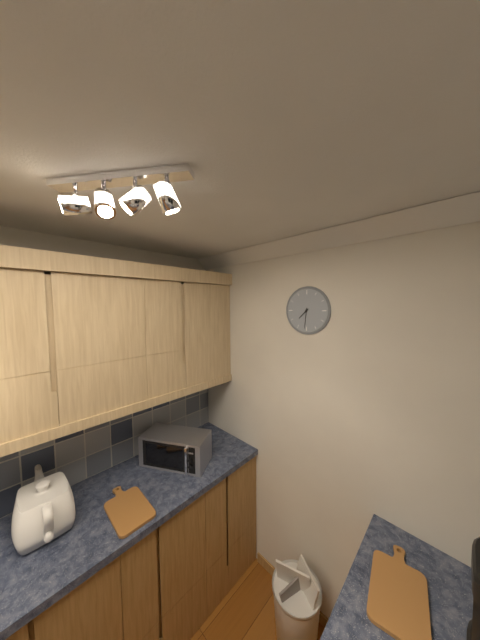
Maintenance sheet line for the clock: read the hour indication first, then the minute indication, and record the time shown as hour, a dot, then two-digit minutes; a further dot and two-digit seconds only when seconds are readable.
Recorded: 7.31
